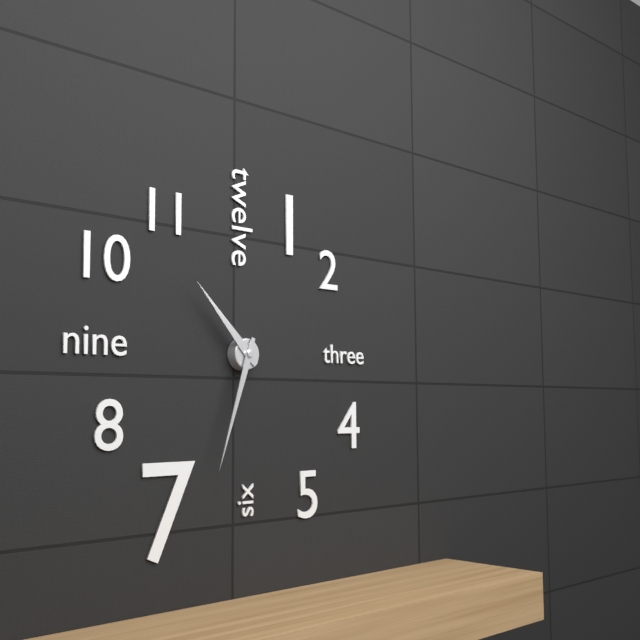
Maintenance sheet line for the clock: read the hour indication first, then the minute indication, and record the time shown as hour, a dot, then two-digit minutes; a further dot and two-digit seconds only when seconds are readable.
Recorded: 10.33
